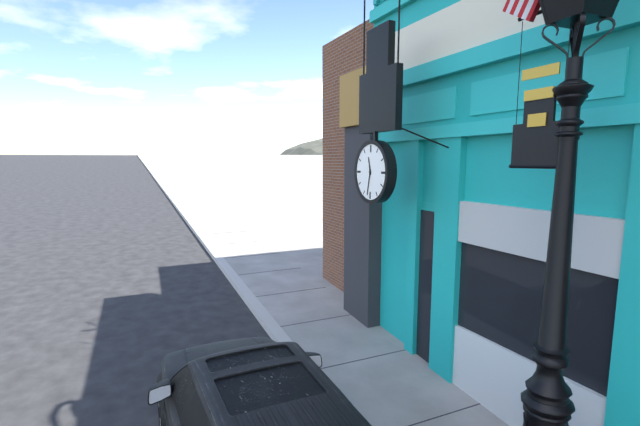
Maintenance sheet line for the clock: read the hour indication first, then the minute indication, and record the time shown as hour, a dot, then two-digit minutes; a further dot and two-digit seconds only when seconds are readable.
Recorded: 11.32
